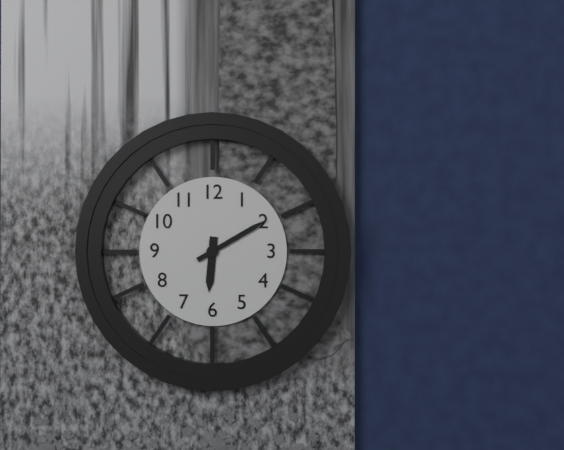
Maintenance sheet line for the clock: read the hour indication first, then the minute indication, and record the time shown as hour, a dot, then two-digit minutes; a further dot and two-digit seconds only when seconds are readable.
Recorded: 6.10
